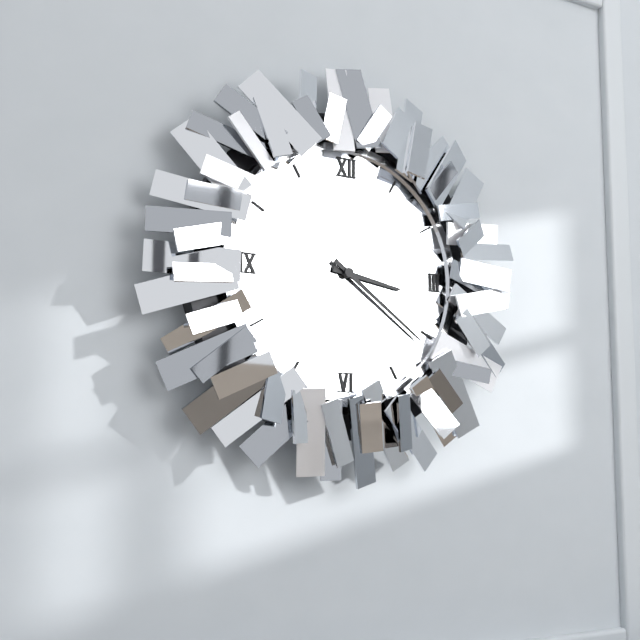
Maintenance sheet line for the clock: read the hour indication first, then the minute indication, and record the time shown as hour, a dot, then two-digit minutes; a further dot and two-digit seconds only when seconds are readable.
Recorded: 3.21
